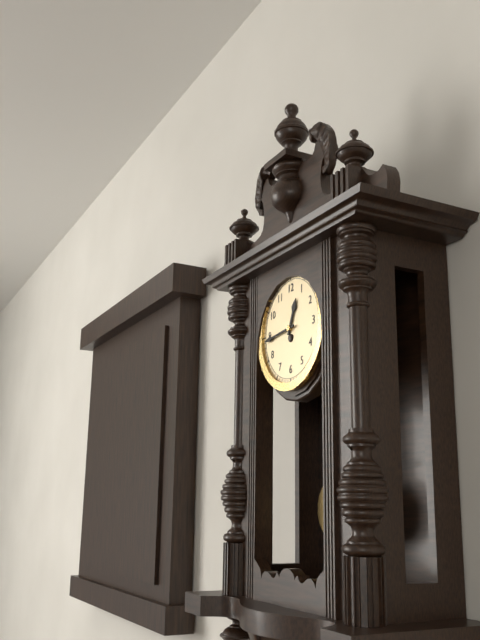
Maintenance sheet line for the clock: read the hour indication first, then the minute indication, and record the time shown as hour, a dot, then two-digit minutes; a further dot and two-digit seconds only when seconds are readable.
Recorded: 12.44
